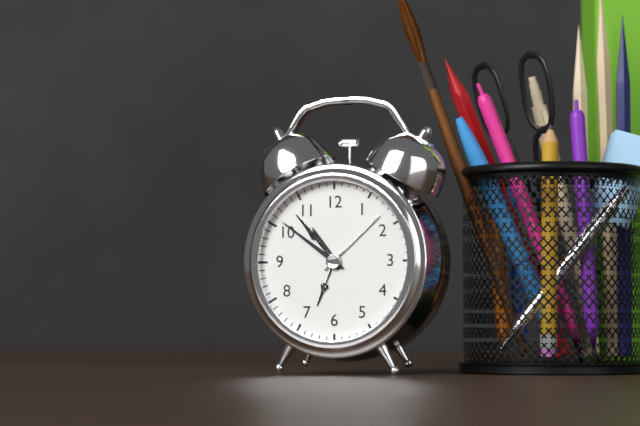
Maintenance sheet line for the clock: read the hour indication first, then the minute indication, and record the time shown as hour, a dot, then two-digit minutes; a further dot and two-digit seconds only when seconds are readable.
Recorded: 10.51
